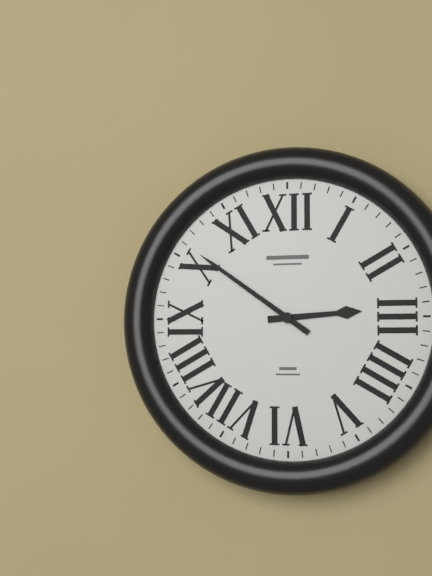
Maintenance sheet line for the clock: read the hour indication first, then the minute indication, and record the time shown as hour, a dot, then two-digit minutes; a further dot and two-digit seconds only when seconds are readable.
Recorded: 2.51
